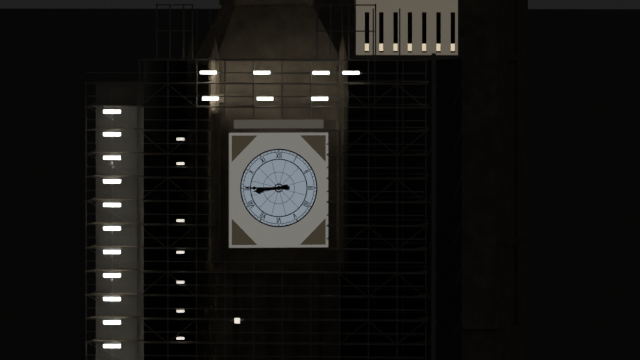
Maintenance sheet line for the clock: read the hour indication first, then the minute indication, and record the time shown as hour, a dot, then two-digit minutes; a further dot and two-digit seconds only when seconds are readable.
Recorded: 8.45
